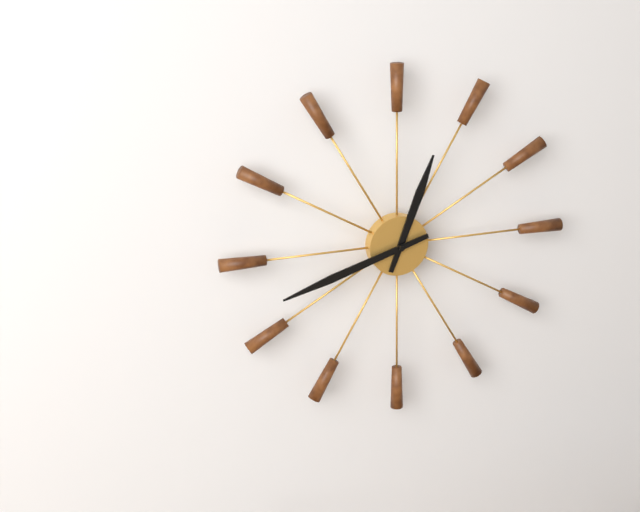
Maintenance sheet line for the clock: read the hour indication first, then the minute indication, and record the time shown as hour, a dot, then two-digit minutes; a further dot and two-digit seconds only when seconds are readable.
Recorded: 12.42
